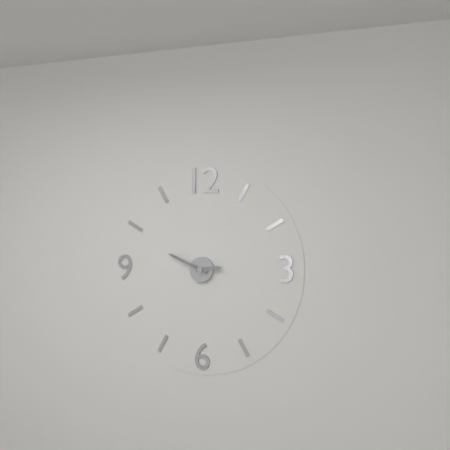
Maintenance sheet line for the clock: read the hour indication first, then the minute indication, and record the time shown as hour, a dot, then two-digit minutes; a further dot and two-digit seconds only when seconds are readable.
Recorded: 2.49
